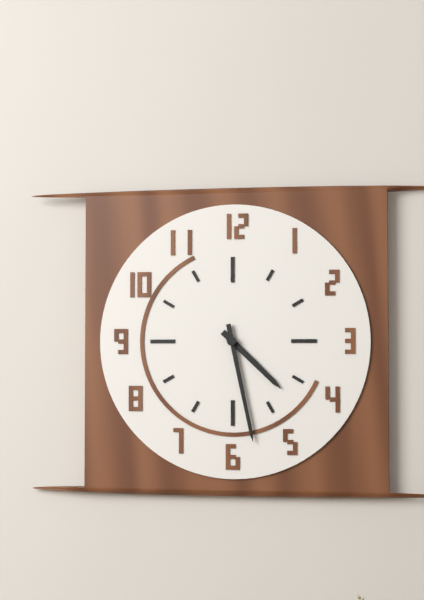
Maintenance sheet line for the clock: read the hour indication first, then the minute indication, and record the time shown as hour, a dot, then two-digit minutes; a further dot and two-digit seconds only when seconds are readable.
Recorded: 4.28
